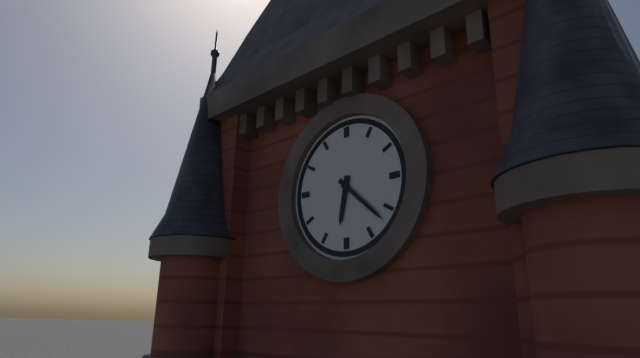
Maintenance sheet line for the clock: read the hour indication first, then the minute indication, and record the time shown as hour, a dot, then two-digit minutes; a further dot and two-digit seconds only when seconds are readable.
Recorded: 6.22
